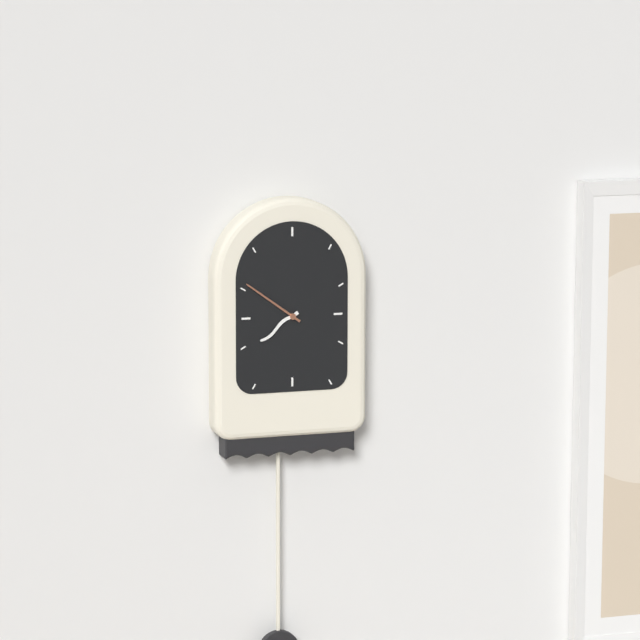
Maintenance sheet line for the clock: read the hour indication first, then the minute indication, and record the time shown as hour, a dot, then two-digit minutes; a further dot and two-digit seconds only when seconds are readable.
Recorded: 7.51
